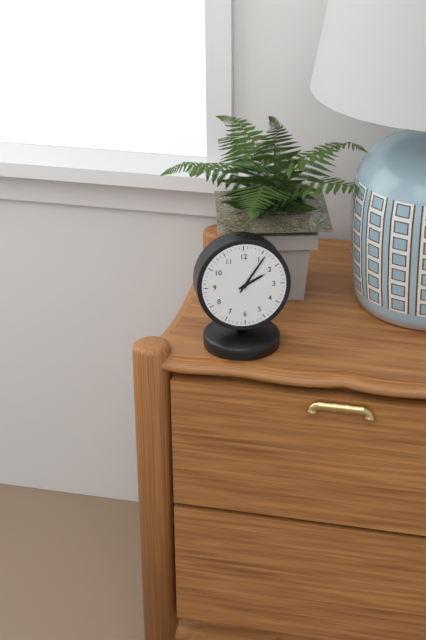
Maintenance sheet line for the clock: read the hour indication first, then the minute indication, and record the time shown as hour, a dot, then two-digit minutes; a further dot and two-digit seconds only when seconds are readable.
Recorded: 2.06
